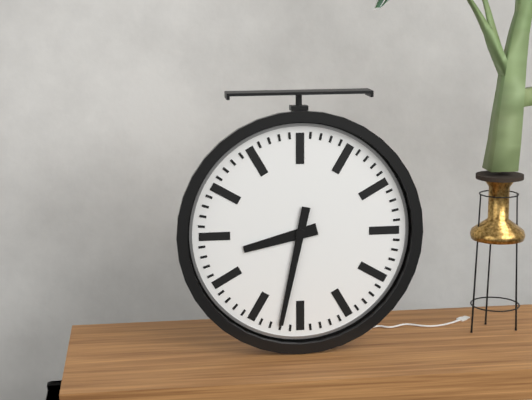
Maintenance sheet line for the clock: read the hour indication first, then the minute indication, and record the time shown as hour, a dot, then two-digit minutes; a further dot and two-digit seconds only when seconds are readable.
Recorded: 8.32
